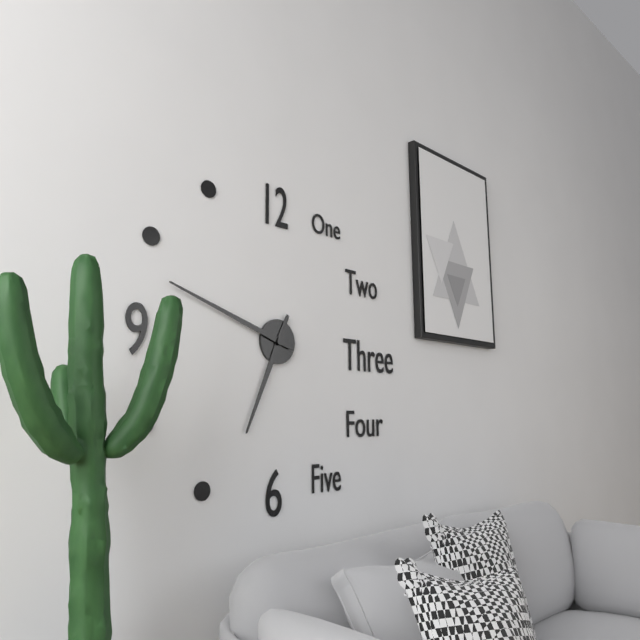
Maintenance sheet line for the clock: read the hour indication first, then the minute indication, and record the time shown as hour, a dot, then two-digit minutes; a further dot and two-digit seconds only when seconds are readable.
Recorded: 6.48
